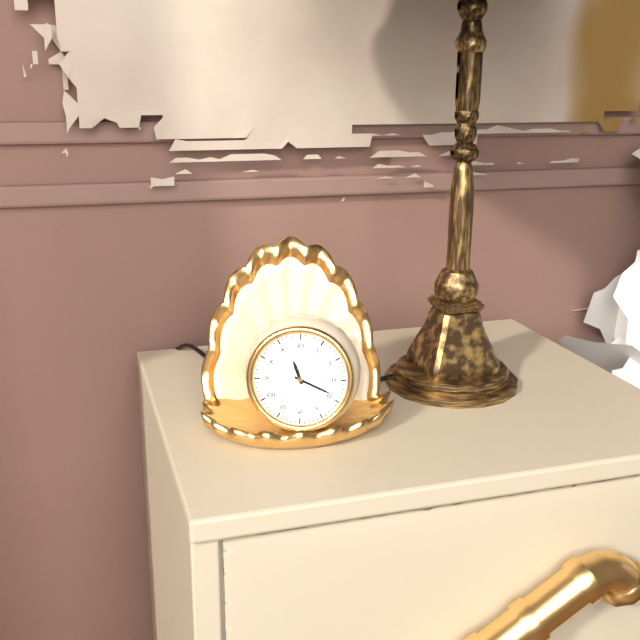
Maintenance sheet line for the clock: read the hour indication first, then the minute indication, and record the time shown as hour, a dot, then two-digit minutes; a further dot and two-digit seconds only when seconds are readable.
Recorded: 11.19
